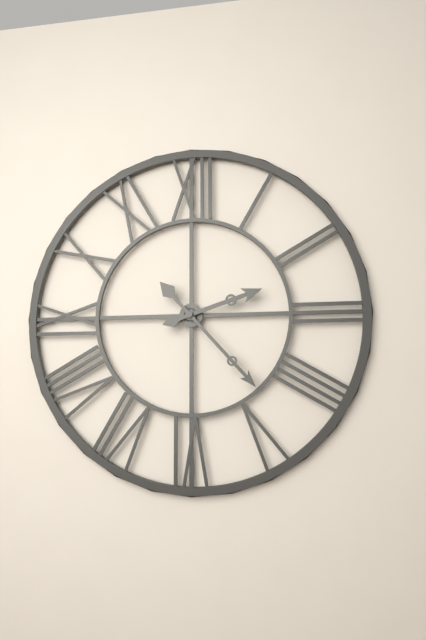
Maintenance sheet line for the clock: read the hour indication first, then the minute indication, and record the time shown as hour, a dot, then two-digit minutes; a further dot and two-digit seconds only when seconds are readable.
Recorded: 2.23
